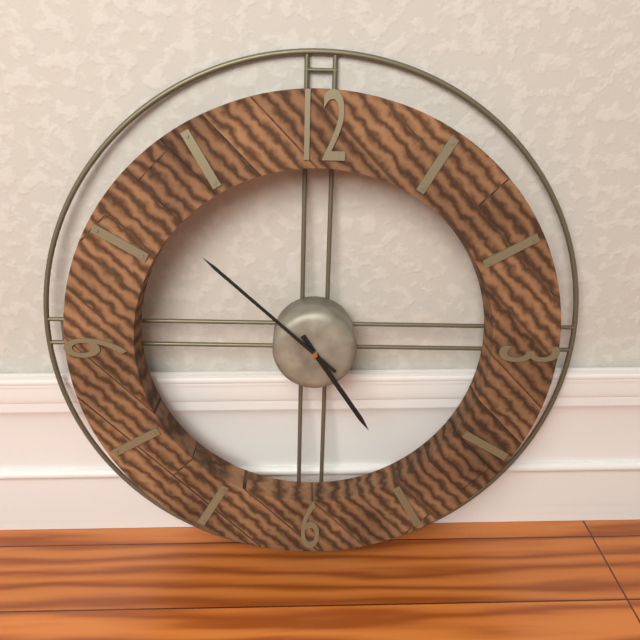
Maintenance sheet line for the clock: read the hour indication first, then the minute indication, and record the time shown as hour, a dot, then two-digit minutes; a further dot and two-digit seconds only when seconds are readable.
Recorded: 4.52
